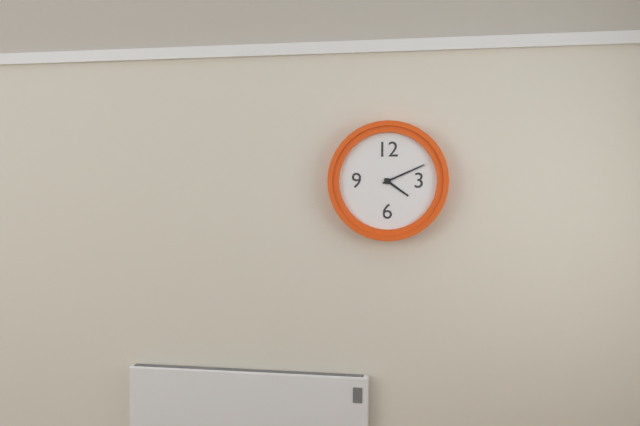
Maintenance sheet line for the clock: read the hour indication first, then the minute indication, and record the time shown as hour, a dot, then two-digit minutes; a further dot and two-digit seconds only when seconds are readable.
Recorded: 4.11
